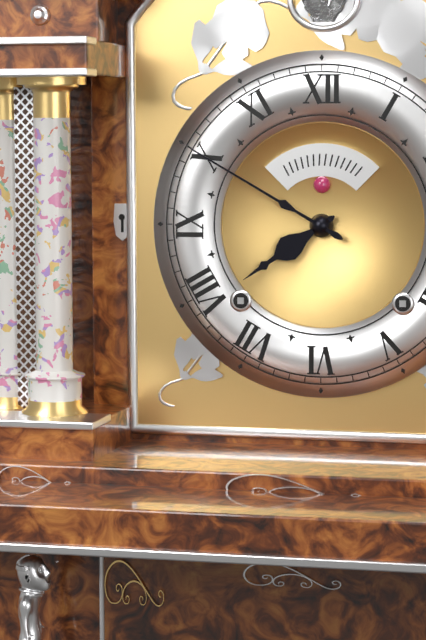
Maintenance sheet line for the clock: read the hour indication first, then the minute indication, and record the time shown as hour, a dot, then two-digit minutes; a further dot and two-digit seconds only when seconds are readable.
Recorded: 7.50
